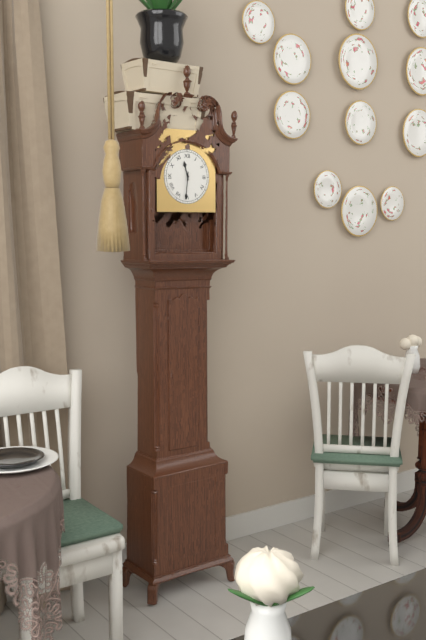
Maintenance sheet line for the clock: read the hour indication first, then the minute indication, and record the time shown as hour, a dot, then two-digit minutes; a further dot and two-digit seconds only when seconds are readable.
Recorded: 11.31
